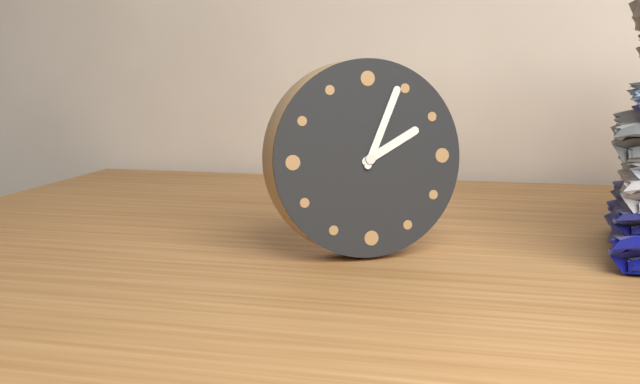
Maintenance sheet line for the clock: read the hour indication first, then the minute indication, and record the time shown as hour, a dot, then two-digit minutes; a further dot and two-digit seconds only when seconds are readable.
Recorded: 2.04
